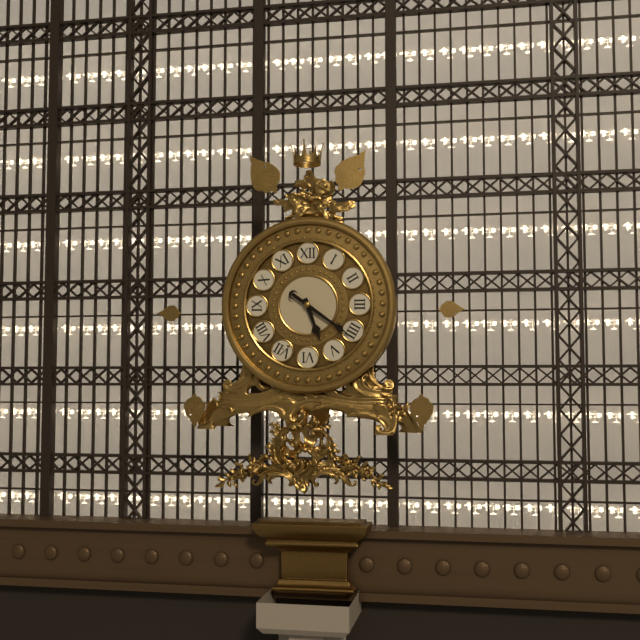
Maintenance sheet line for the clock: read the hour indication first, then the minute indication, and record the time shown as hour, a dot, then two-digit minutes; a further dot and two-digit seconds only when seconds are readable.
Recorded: 5.21
